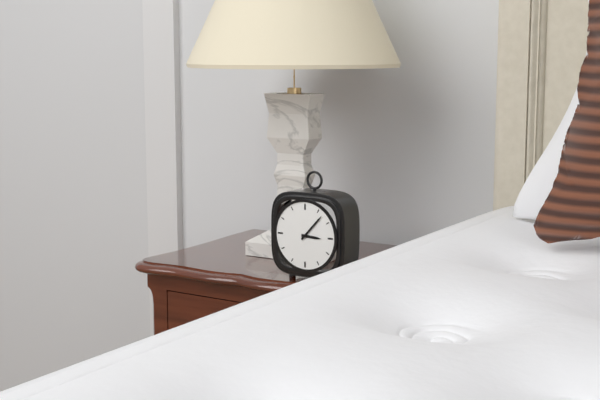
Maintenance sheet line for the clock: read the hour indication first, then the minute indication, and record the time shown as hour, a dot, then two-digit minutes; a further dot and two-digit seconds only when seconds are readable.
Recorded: 3.07
